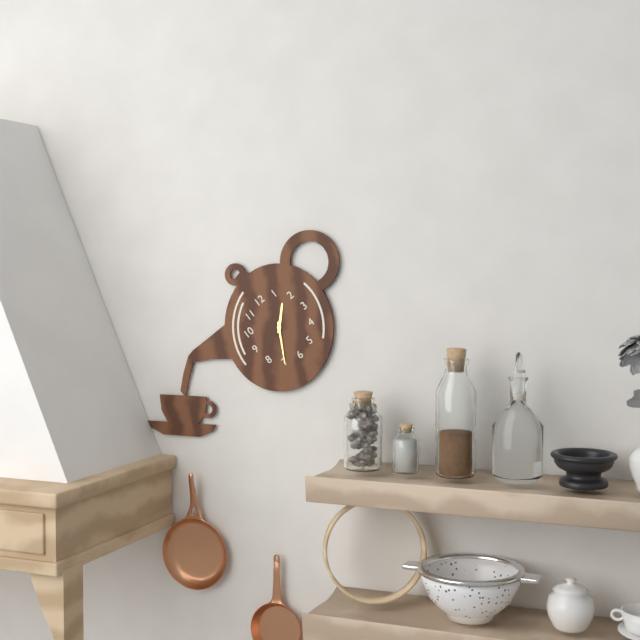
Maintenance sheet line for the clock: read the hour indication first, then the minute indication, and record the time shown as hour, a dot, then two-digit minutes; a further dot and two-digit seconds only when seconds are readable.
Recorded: 1.35
